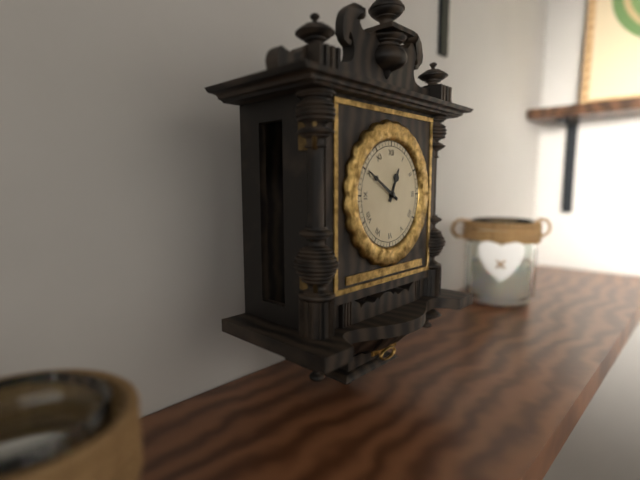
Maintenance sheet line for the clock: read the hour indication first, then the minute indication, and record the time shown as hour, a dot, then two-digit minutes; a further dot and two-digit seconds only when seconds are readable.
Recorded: 12.50
